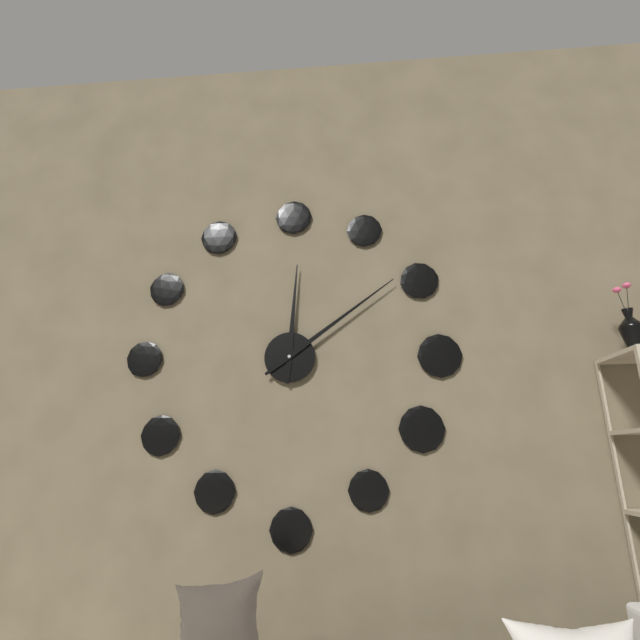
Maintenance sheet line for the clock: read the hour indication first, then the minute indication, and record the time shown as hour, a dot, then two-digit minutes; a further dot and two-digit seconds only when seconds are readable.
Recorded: 12.09
